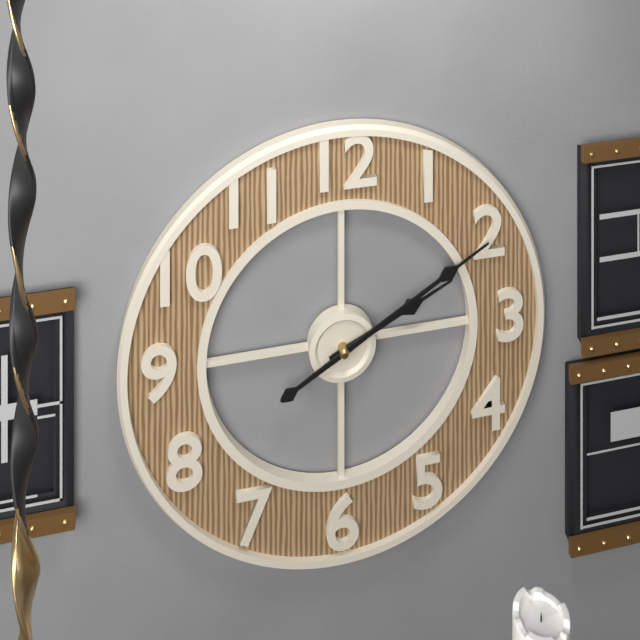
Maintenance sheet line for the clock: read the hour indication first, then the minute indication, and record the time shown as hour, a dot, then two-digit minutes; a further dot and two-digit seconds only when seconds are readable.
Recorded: 2.10
